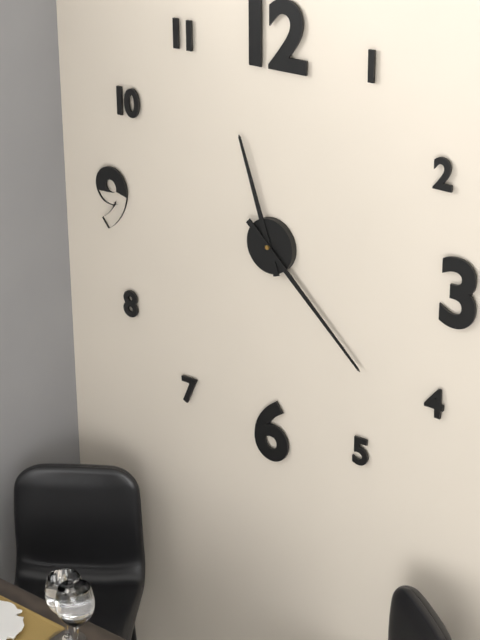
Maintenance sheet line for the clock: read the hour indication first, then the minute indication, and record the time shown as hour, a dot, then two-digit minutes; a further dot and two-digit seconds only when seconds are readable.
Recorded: 11.22
